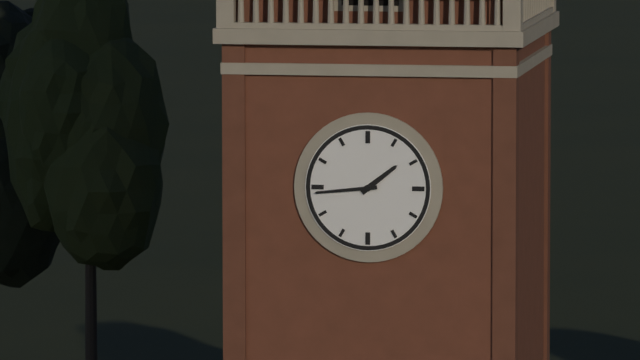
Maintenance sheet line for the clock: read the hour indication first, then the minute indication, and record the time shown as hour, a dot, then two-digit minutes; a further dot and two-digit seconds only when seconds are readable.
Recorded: 1.44
